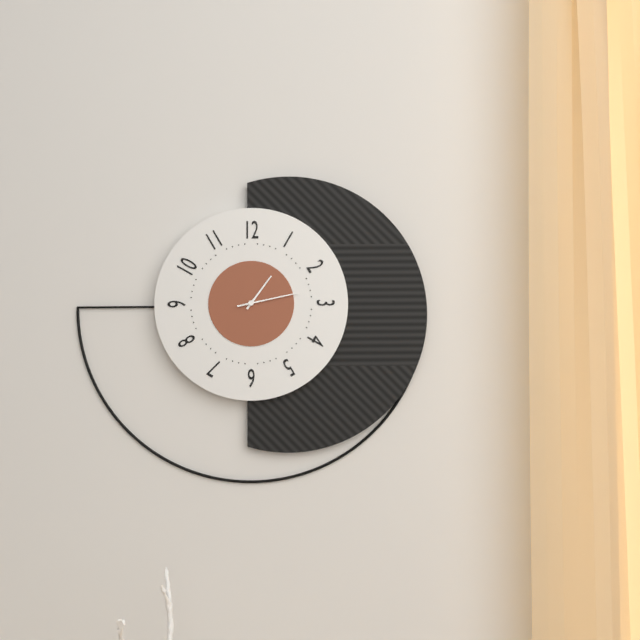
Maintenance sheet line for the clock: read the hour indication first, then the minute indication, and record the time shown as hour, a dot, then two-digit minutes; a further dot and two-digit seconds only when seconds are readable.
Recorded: 1.13
